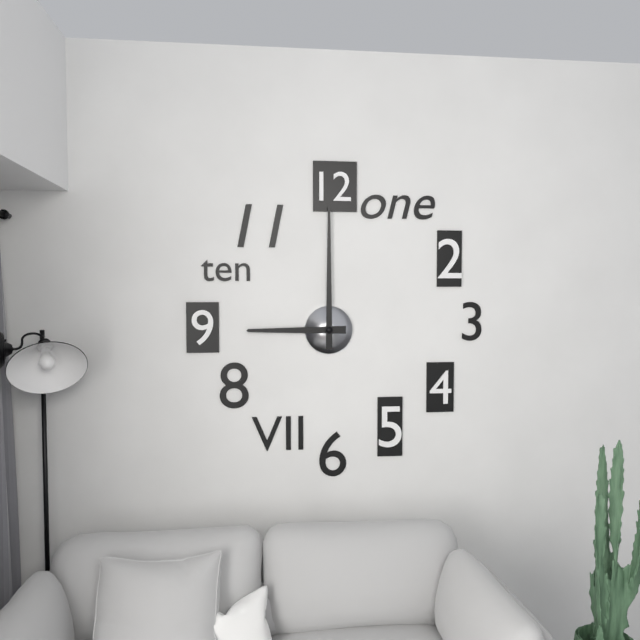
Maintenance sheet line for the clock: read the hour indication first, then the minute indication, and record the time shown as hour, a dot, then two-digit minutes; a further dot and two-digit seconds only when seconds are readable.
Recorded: 9.00
